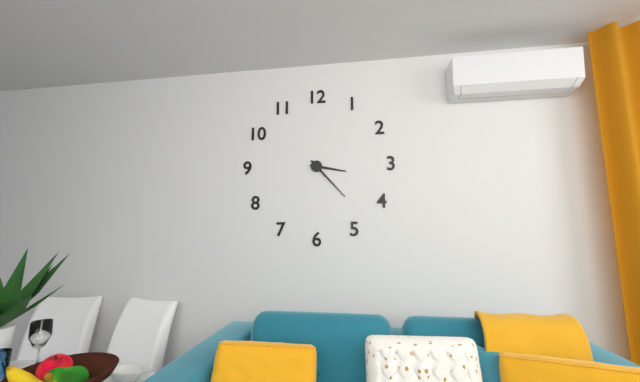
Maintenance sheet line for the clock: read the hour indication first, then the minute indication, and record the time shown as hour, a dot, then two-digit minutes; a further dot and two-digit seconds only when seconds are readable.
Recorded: 3.23
